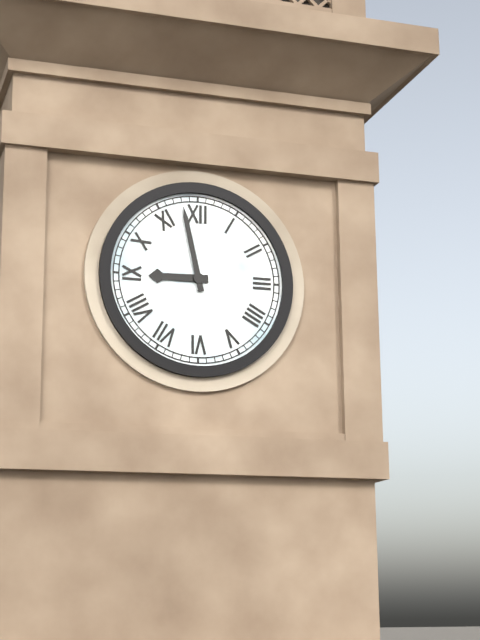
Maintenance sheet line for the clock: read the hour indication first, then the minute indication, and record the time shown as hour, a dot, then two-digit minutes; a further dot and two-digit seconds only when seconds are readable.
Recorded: 8.58
